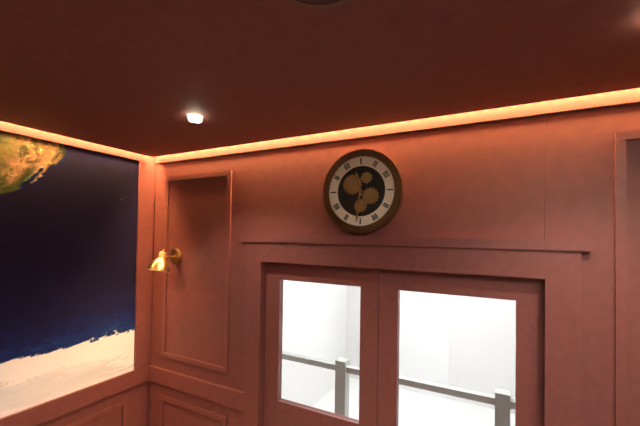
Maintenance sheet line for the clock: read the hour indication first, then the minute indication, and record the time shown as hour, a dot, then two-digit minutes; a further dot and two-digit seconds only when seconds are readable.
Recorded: 11.31
